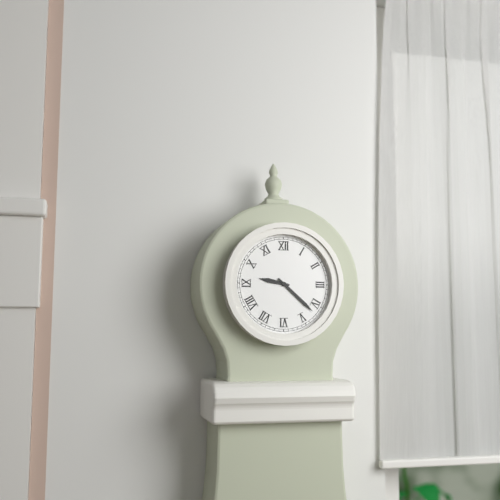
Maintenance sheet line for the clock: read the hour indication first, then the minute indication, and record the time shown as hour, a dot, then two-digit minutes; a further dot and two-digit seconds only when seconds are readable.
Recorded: 9.22
